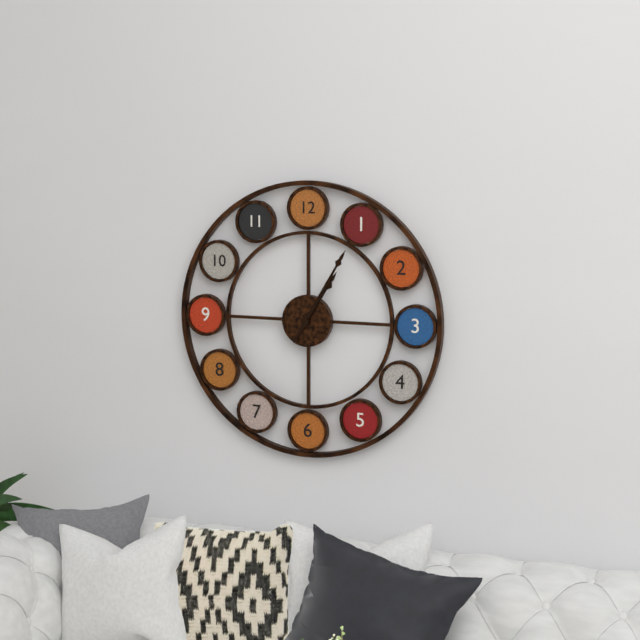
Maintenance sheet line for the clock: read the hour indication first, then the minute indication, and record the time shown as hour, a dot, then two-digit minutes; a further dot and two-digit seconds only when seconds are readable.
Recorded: 1.05
